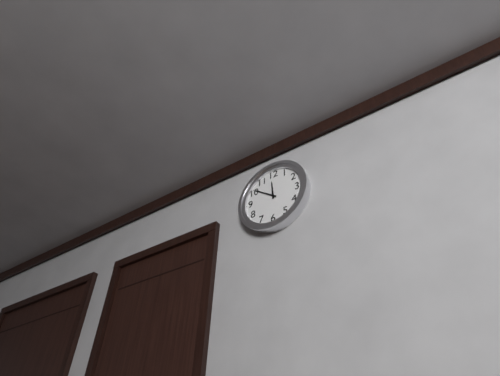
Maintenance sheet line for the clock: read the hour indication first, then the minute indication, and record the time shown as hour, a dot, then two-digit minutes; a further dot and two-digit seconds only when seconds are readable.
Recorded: 11.51
